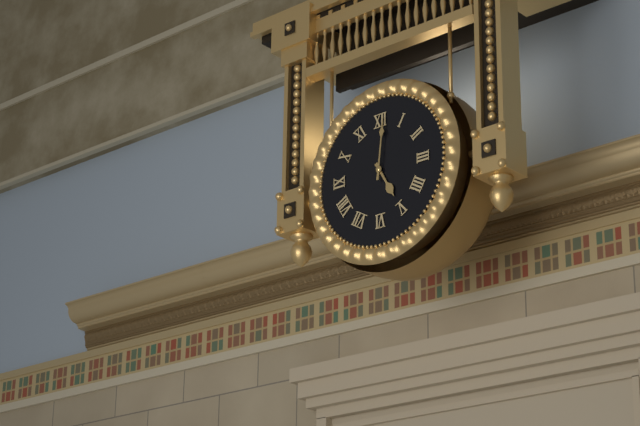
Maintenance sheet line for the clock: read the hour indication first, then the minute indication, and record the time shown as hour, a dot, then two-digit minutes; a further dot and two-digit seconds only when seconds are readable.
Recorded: 5.01
